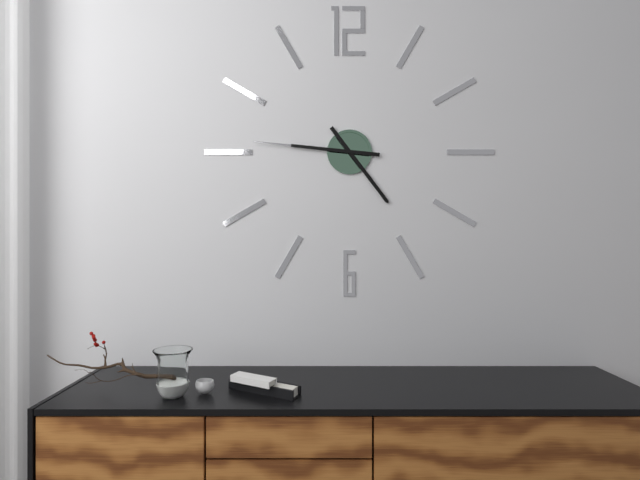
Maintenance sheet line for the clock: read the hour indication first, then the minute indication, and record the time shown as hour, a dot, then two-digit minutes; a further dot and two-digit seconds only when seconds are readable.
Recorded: 4.46
